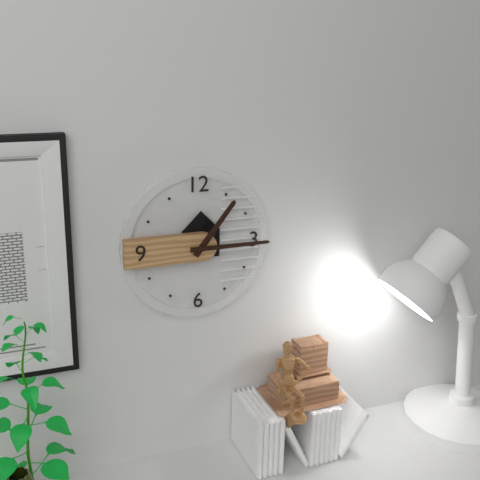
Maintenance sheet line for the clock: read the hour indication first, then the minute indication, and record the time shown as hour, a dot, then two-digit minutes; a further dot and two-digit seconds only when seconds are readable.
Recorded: 1.15
